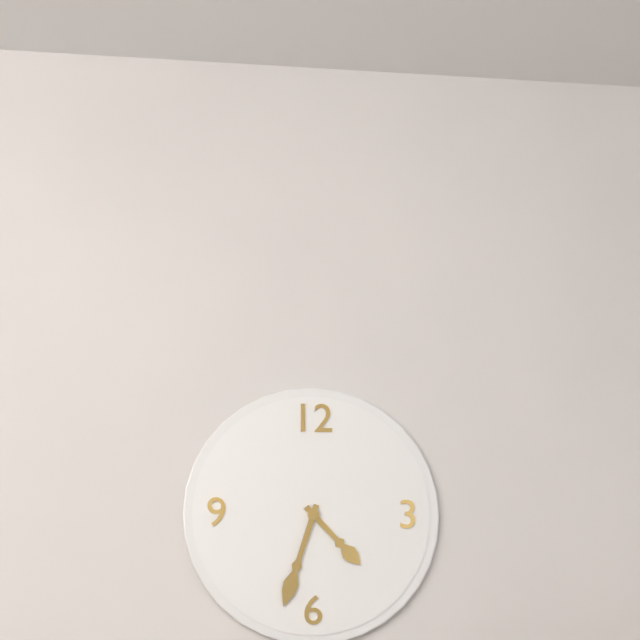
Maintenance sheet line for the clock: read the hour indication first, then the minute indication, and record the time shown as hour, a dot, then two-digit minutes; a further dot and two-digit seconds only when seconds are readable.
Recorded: 4.33
